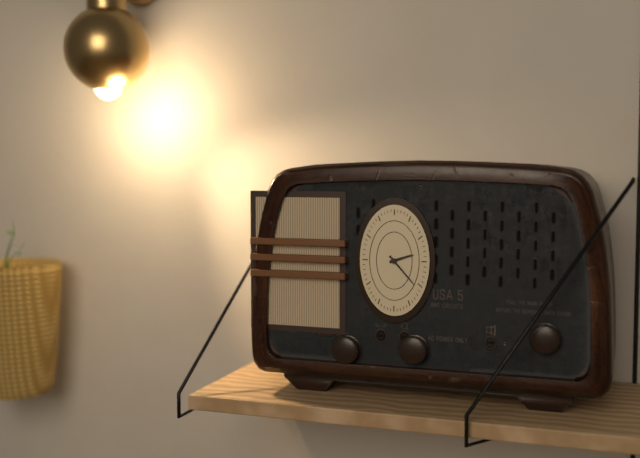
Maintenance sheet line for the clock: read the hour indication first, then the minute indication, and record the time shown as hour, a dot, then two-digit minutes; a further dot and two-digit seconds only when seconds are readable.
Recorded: 2.23
